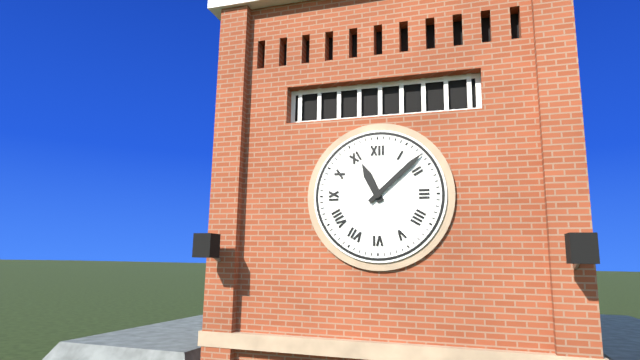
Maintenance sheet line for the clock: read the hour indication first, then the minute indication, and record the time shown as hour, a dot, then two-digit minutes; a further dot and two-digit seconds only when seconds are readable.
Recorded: 11.08
